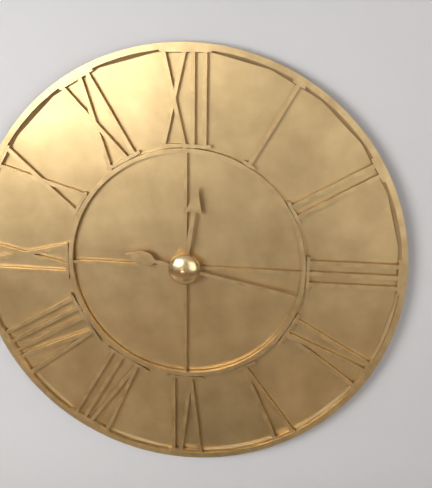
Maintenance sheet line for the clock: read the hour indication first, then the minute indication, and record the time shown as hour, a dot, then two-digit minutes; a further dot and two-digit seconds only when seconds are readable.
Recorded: 12.17
